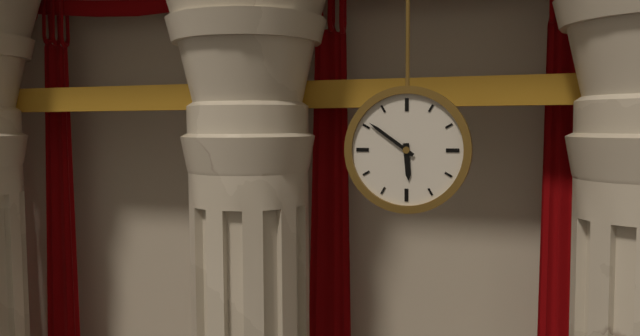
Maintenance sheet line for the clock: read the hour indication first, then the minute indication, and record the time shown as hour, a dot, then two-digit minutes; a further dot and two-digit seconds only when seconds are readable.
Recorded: 5.51
